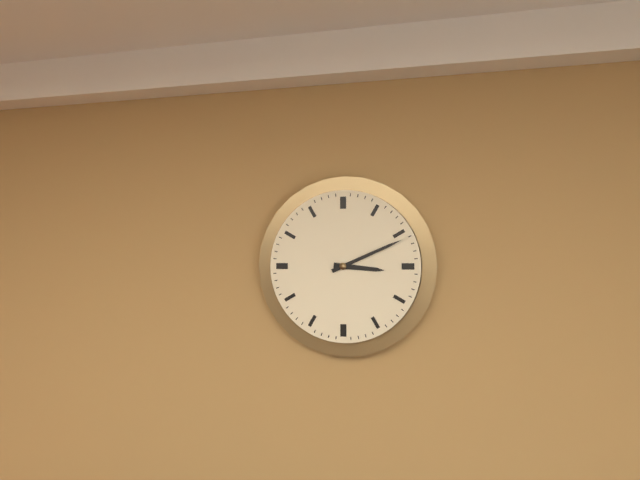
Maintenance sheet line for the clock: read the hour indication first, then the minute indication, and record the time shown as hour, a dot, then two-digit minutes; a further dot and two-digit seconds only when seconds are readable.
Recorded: 3.11
